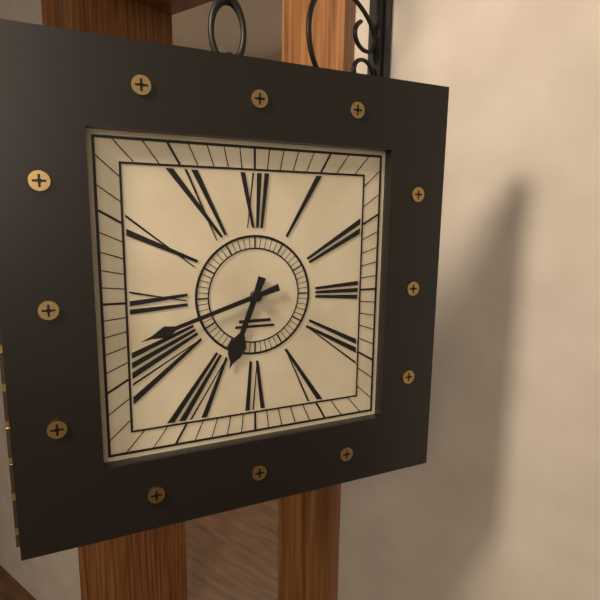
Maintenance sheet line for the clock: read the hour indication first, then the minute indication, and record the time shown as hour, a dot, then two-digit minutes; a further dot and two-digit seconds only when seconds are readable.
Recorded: 6.42
